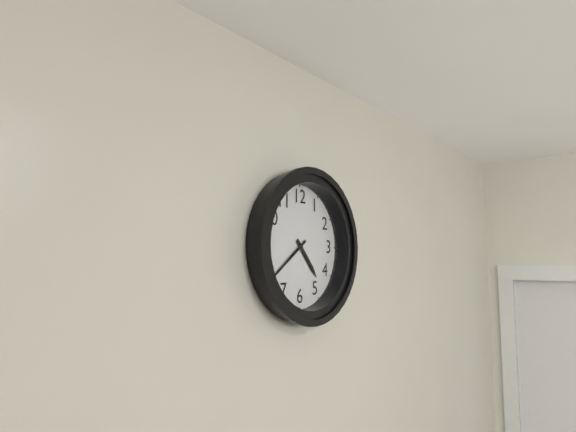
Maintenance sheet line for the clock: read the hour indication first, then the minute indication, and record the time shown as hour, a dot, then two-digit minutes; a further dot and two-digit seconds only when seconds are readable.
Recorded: 4.39
